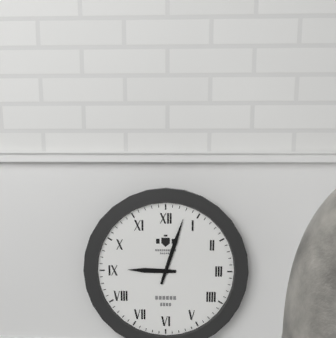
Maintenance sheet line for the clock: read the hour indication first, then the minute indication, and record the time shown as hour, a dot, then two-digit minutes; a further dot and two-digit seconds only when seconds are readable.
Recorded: 9.03
